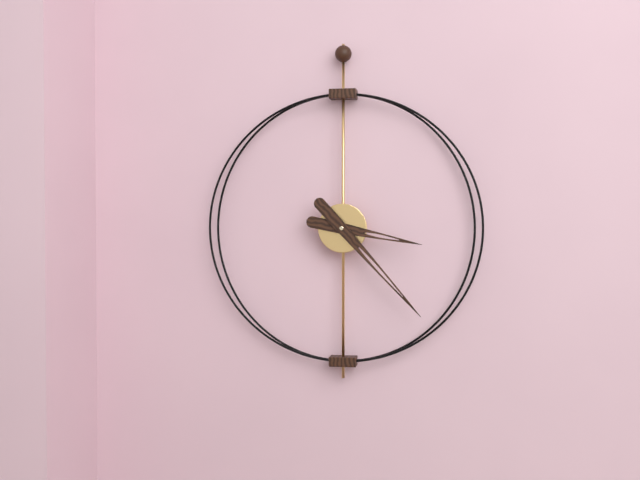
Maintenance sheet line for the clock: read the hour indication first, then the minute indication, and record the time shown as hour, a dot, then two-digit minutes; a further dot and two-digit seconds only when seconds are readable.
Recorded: 3.23
